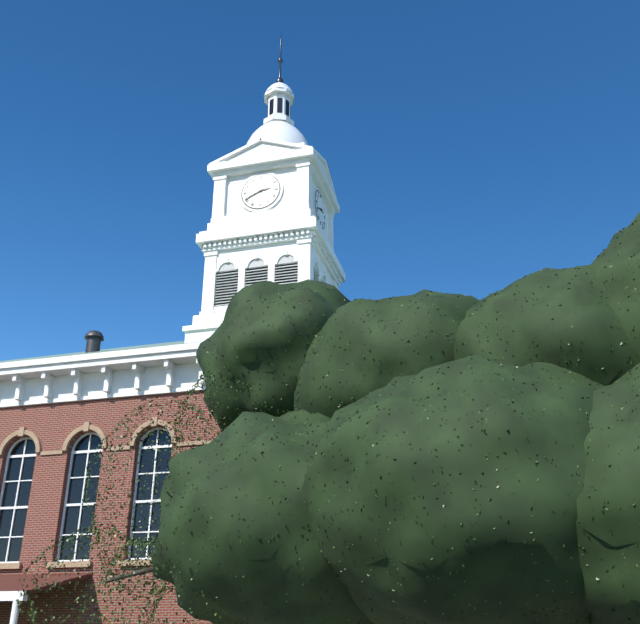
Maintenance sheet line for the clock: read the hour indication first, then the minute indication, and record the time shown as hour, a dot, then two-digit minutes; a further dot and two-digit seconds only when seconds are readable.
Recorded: 2.41
